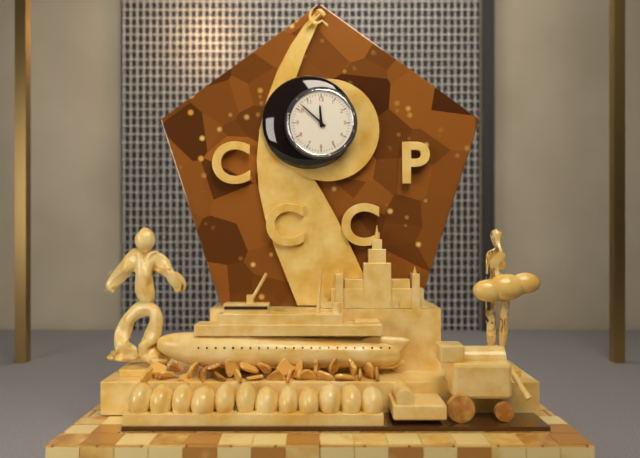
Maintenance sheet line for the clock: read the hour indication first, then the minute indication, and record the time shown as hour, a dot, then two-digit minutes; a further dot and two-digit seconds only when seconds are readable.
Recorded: 11.52
